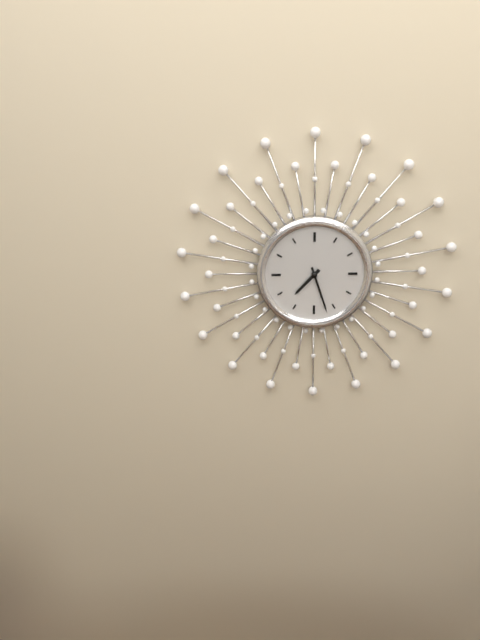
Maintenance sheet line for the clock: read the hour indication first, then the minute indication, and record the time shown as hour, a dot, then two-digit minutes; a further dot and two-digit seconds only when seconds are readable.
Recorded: 7.27
